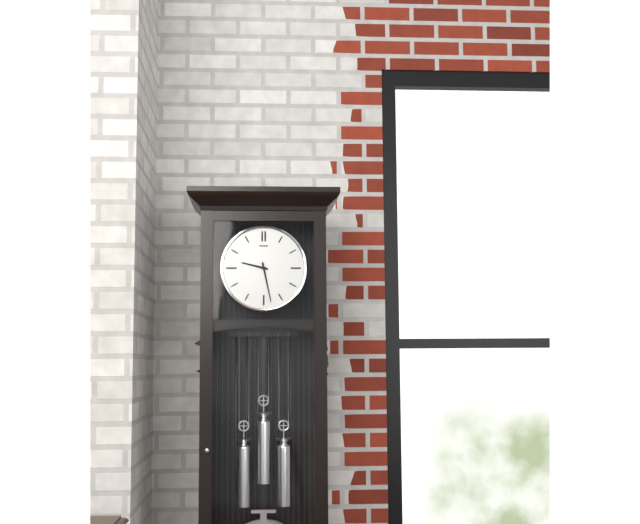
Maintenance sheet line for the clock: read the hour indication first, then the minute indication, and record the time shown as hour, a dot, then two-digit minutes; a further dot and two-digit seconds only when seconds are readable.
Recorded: 9.28
